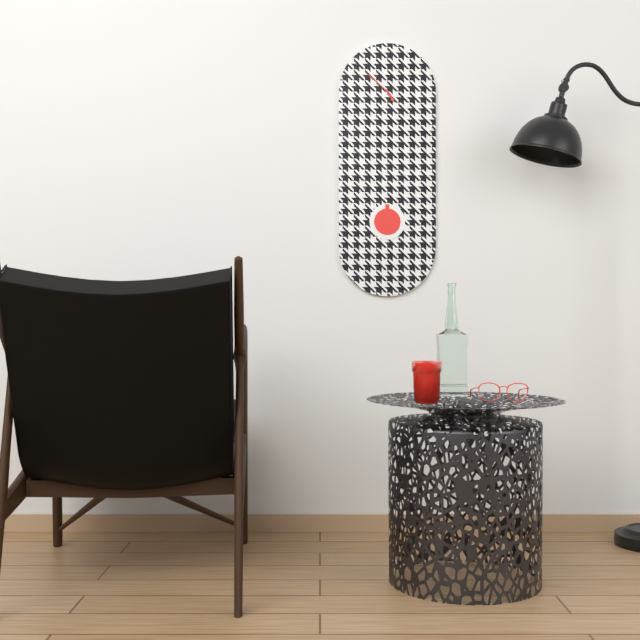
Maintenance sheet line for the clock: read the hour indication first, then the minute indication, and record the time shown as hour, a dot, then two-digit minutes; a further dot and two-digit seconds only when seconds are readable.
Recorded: 4.52
